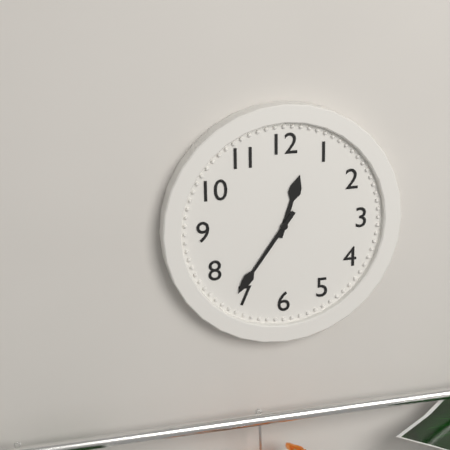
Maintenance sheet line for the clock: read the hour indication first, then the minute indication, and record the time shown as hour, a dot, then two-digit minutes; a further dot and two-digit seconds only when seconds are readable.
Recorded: 12.36
